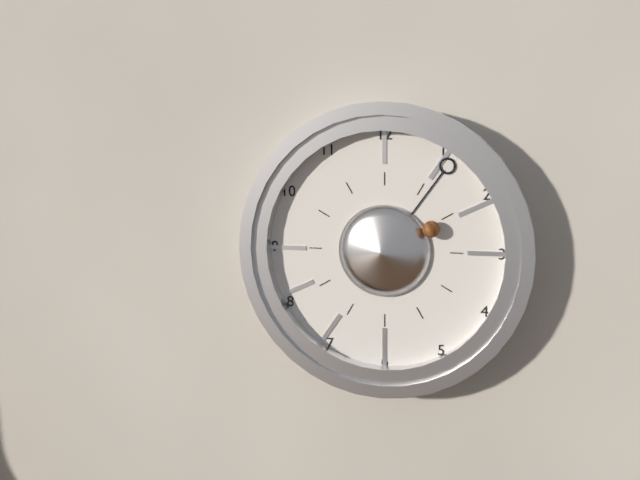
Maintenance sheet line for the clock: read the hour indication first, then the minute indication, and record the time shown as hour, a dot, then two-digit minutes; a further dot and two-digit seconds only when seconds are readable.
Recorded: 2.06
